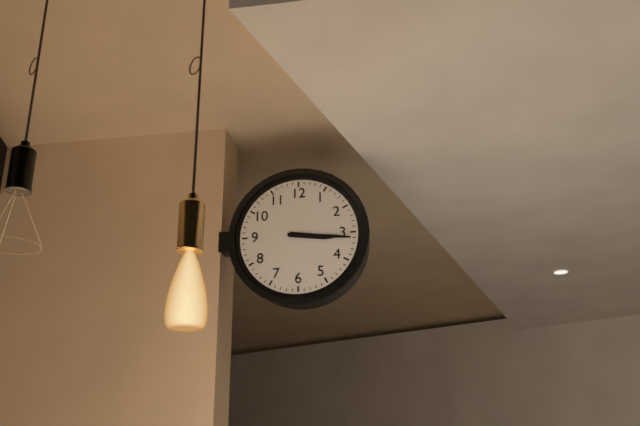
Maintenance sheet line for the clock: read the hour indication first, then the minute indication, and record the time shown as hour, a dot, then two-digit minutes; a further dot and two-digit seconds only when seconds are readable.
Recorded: 3.16
